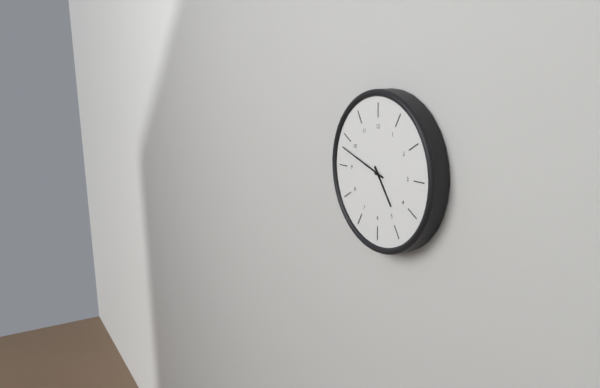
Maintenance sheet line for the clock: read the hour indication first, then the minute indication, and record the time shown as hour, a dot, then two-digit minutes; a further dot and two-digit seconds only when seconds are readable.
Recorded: 4.48
